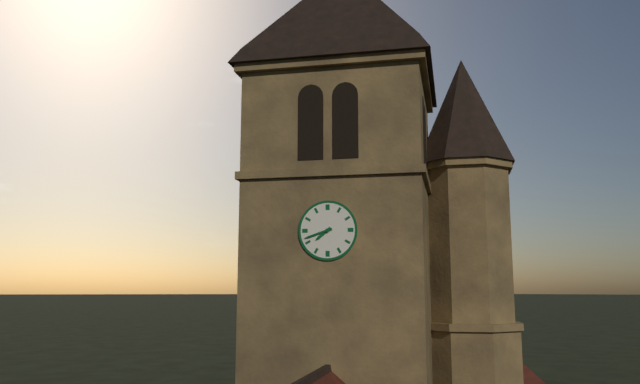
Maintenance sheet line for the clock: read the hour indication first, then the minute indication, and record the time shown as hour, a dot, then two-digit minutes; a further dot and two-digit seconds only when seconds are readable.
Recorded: 7.42
